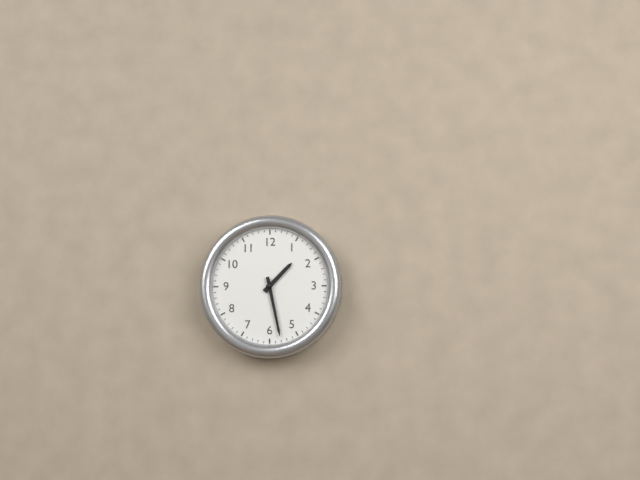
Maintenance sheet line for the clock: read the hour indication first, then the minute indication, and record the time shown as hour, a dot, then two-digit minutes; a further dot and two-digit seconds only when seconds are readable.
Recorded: 1.28
